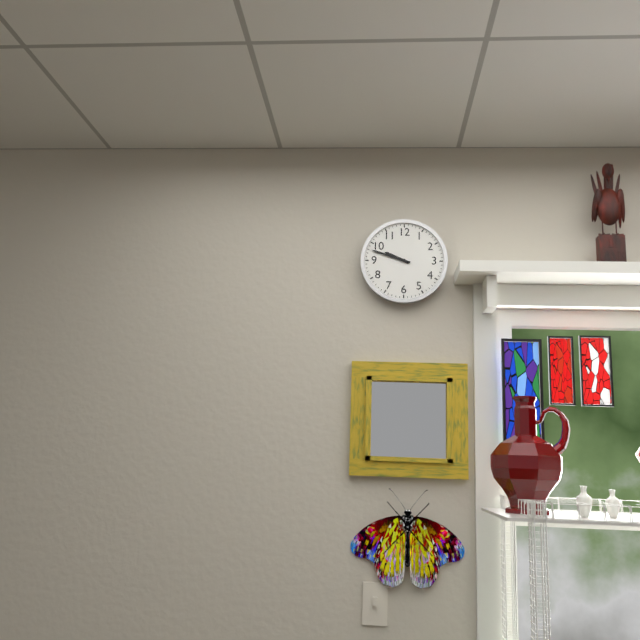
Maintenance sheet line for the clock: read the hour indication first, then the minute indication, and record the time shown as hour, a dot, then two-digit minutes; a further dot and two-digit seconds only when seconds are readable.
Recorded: 9.48
